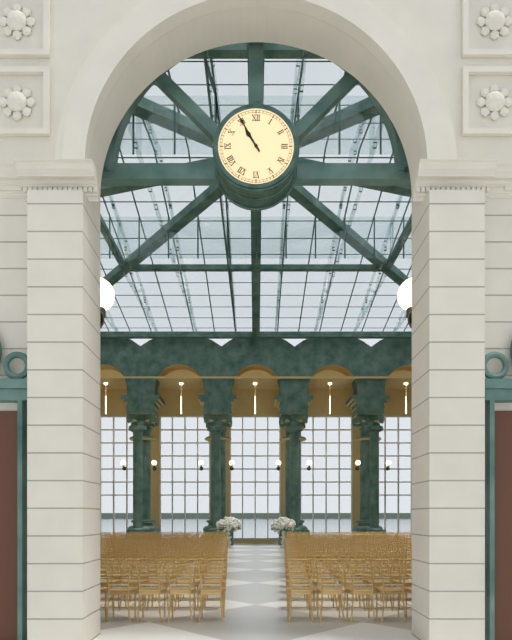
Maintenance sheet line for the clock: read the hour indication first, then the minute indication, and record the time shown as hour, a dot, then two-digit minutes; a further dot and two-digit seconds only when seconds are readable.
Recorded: 10.55
